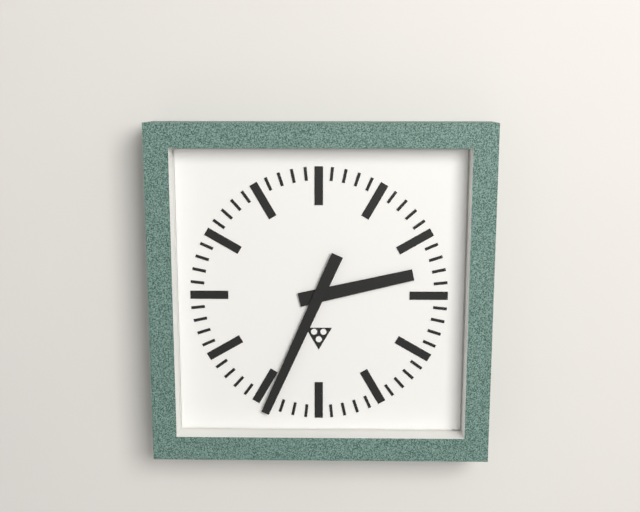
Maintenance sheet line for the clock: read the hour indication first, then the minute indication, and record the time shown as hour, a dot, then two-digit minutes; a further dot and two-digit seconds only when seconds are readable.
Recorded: 2.34
